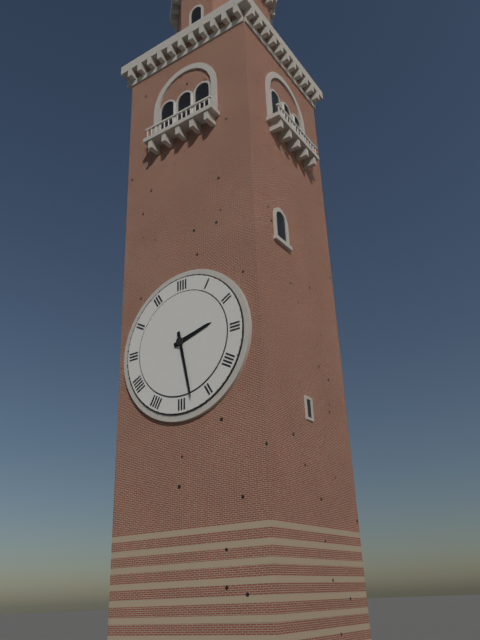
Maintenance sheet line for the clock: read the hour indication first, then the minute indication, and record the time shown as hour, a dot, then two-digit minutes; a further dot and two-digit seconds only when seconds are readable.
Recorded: 2.28
